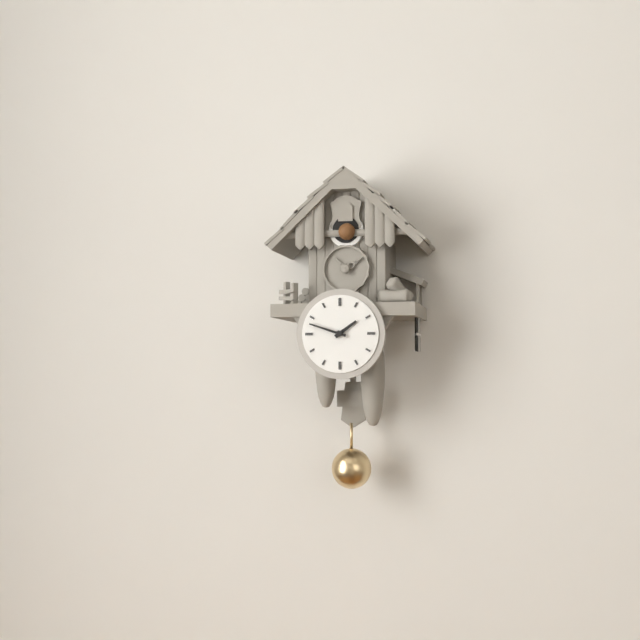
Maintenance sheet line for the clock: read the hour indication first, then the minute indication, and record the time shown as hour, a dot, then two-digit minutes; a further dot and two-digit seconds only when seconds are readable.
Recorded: 1.48
